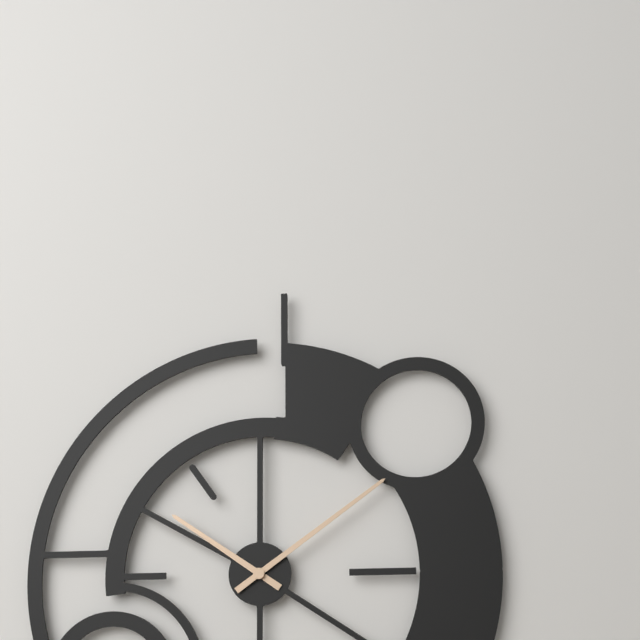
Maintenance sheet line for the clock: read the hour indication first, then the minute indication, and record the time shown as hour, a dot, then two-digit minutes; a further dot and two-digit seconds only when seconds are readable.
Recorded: 10.09
